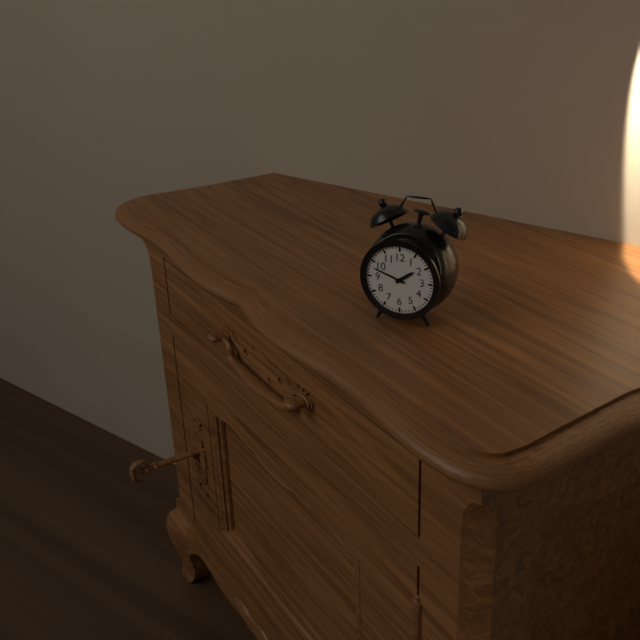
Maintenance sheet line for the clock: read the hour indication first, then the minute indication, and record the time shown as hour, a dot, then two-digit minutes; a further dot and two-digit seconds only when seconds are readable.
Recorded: 1.48
